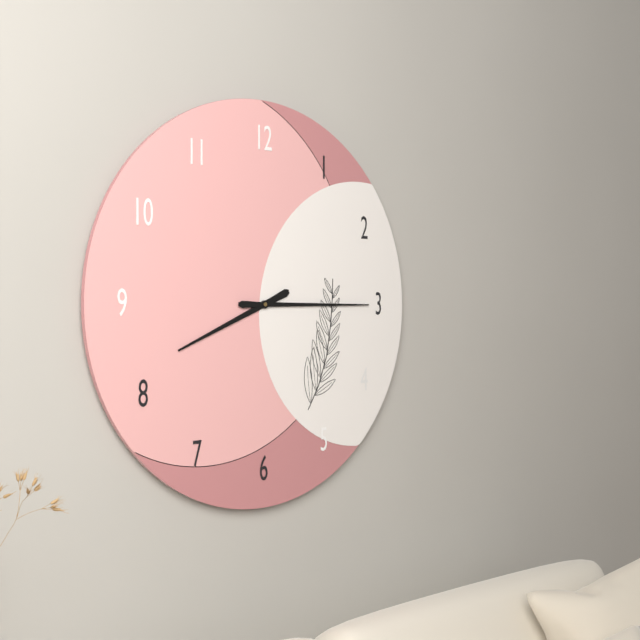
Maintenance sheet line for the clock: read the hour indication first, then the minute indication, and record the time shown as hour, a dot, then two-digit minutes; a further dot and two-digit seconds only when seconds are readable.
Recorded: 8.15
